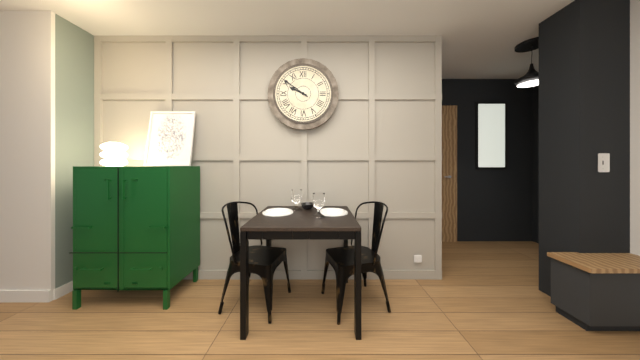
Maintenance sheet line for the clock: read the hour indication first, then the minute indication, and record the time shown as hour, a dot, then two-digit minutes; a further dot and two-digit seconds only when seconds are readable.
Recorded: 9.51
